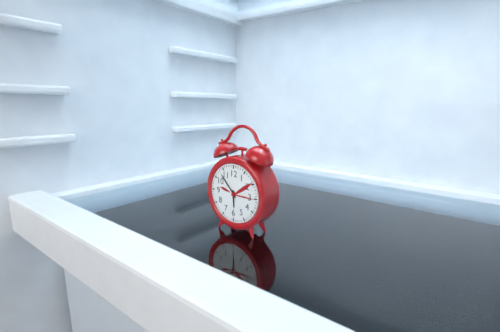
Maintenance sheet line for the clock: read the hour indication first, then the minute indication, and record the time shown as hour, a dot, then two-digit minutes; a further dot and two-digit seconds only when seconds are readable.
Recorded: 5.53
